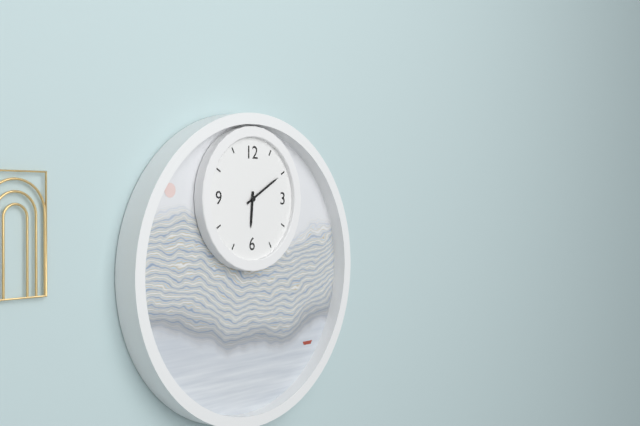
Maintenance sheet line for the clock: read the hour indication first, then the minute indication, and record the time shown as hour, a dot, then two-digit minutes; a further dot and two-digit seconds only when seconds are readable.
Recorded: 6.10
